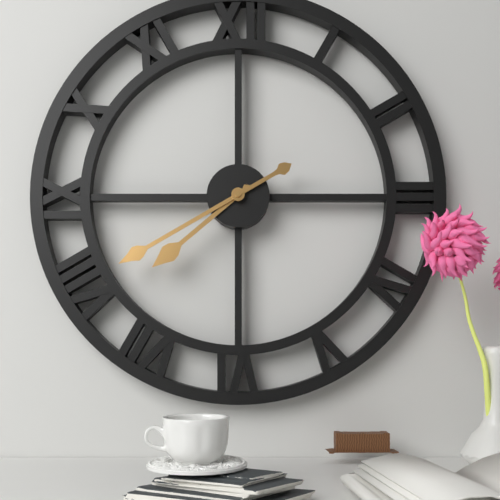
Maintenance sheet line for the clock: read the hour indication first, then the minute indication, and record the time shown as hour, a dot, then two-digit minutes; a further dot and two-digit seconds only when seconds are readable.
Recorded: 7.40
